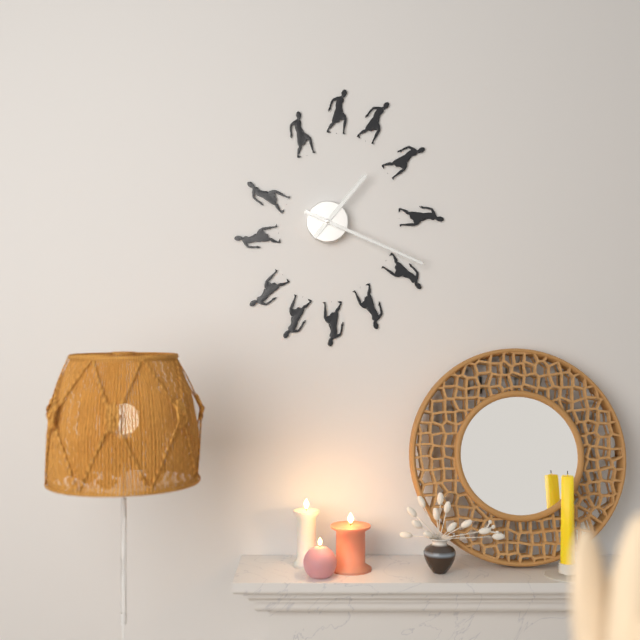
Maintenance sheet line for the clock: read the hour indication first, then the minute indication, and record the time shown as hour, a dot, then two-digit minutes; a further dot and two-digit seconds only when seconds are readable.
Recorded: 1.19
